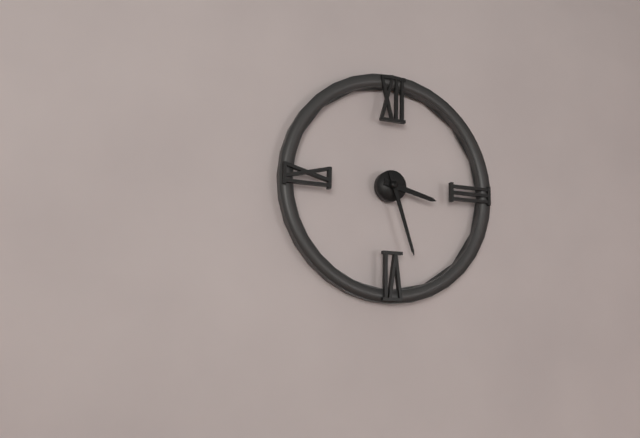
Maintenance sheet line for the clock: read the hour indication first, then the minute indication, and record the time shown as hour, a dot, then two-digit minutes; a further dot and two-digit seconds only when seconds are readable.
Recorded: 3.27
